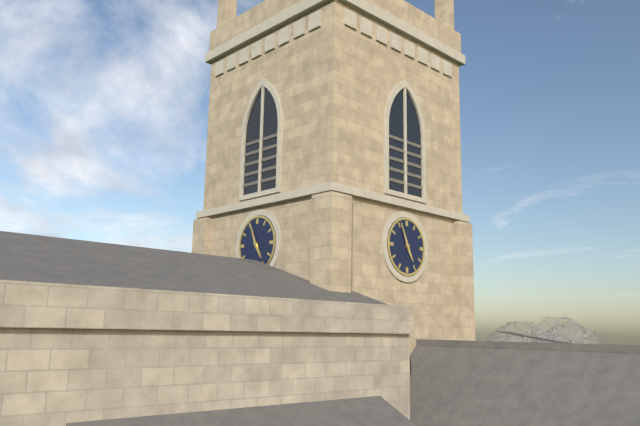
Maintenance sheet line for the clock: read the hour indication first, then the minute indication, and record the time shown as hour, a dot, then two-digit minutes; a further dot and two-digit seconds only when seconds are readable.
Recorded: 4.56
